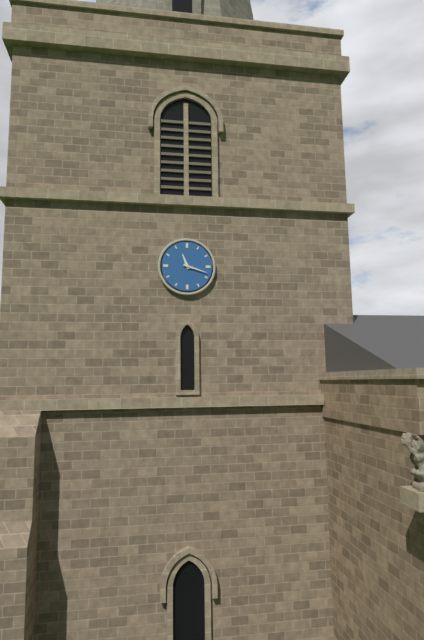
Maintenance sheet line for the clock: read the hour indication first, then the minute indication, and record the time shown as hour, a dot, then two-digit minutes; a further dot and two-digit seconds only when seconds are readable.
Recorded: 11.18
